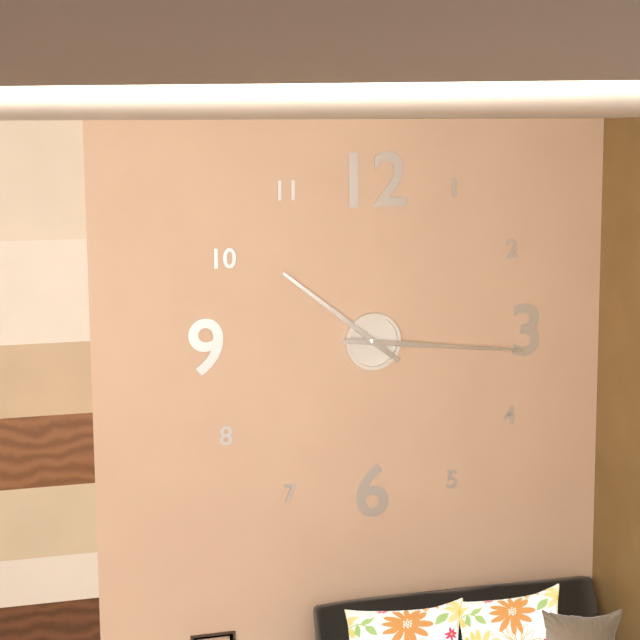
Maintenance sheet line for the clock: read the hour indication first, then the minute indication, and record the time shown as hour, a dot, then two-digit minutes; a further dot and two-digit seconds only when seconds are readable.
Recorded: 10.16
